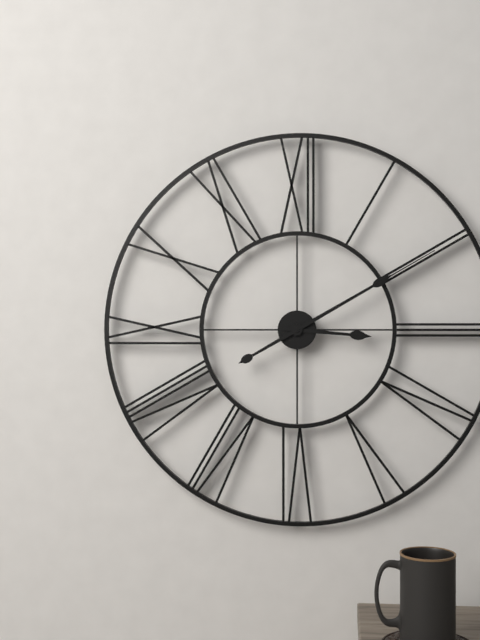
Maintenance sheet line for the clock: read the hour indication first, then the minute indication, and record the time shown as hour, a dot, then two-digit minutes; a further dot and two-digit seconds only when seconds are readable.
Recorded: 3.10
